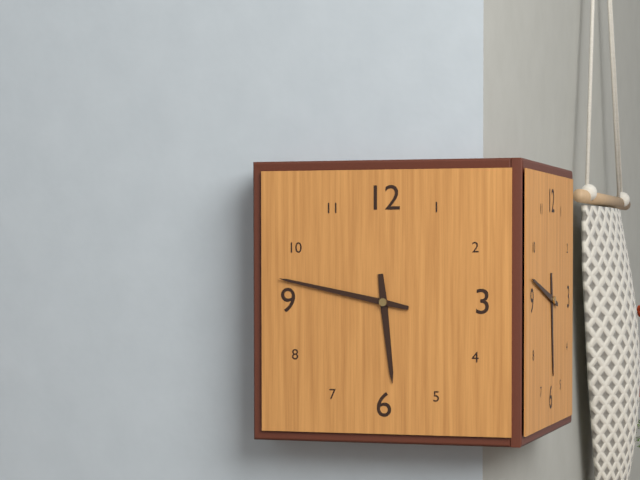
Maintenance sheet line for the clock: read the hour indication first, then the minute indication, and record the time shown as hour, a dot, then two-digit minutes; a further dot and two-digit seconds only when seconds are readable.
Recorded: 5.47
